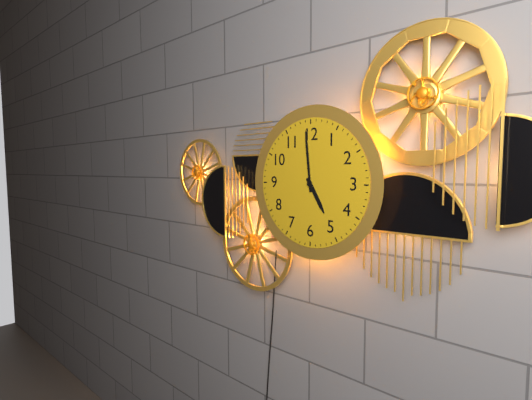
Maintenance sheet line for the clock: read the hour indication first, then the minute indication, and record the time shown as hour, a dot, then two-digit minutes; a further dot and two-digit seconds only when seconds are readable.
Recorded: 4.59
